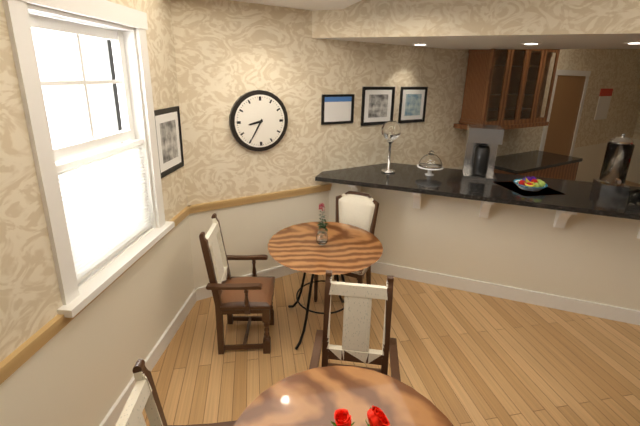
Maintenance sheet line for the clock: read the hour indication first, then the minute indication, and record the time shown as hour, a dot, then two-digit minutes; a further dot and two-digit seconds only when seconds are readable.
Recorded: 8.35
